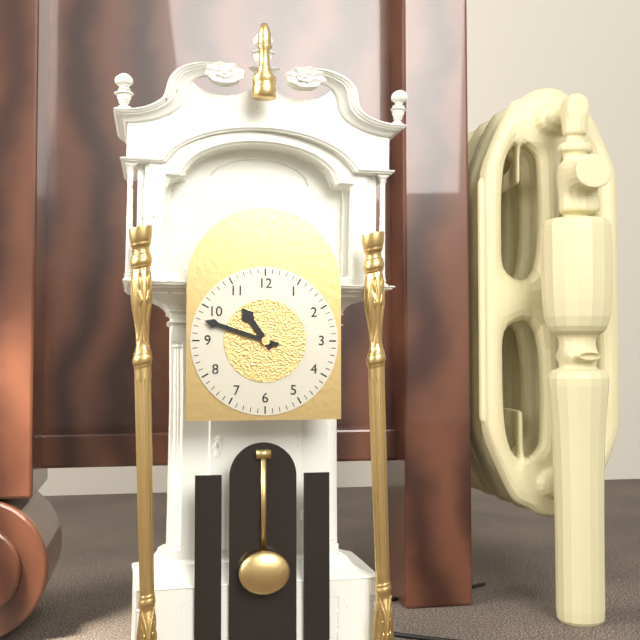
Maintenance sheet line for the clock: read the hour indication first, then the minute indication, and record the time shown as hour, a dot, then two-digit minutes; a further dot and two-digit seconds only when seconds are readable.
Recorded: 10.48
